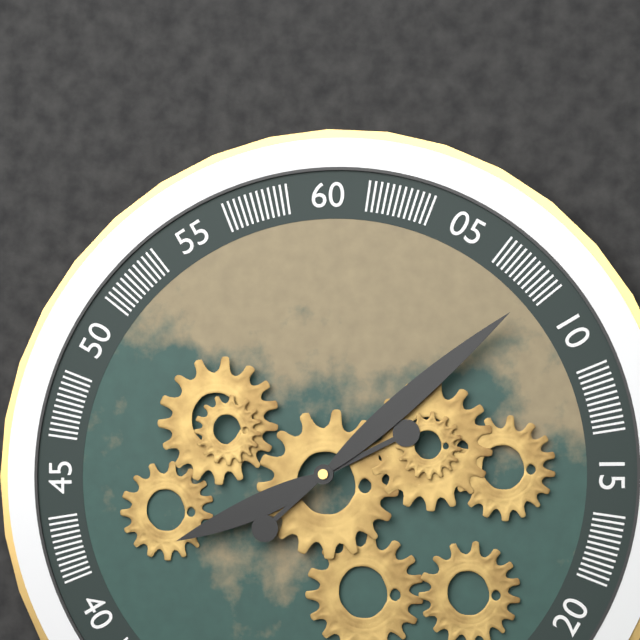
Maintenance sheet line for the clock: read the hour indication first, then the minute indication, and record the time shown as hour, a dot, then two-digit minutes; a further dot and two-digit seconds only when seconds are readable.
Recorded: 8.08
